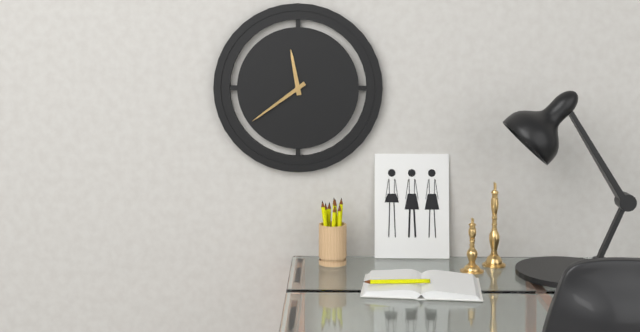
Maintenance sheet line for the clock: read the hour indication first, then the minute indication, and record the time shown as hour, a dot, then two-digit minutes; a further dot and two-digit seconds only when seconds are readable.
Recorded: 11.39
